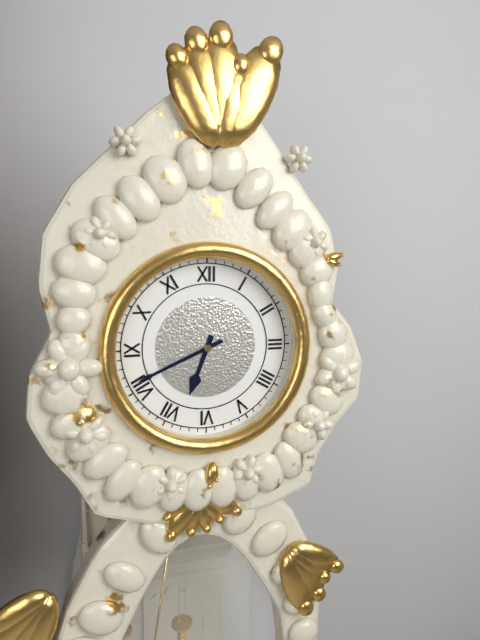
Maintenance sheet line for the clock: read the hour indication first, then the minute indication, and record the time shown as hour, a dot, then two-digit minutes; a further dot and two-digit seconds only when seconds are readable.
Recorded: 6.41
